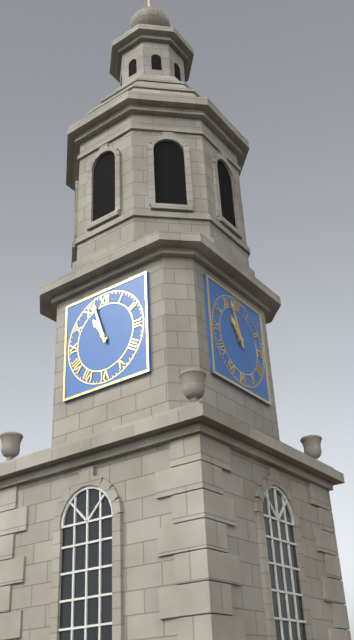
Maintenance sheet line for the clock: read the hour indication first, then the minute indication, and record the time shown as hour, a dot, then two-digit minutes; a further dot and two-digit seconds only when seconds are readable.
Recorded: 10.57
